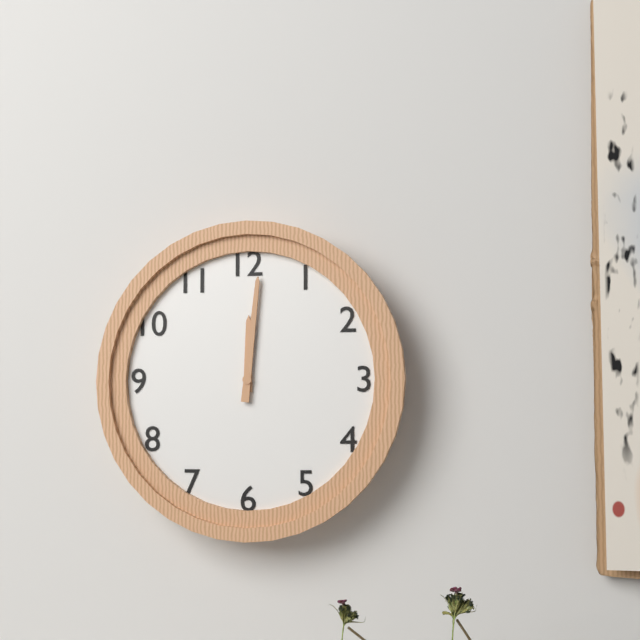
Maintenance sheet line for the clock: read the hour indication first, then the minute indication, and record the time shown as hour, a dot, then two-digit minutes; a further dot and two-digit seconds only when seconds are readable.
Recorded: 12.01
